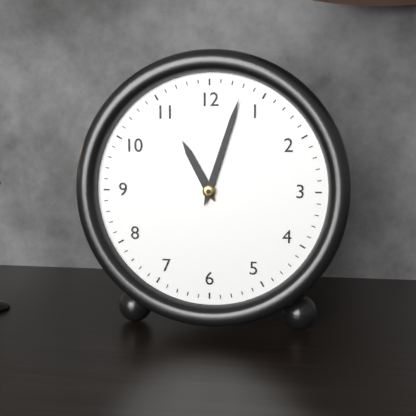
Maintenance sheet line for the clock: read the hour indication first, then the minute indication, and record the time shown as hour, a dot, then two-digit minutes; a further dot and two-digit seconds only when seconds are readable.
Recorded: 11.03
